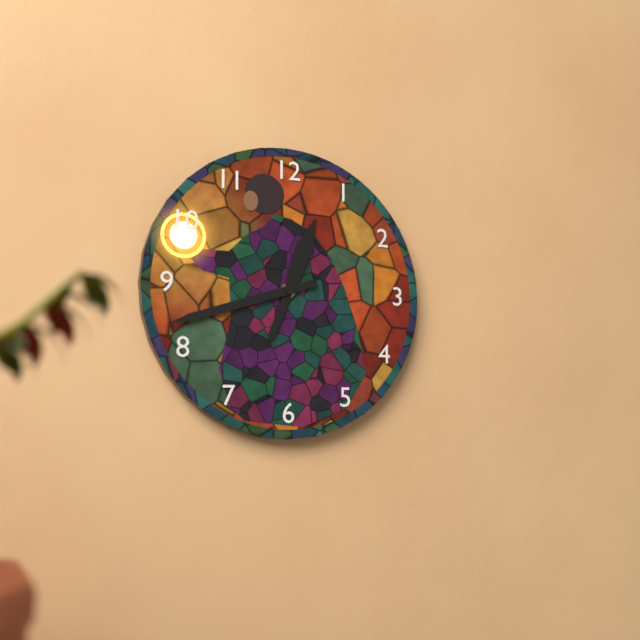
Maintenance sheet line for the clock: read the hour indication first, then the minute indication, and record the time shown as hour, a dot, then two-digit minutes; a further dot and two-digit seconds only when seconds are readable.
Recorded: 12.42
